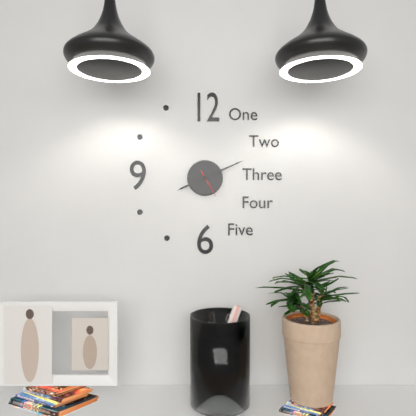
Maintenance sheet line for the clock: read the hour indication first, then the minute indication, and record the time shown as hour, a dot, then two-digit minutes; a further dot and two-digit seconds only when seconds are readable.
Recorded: 8.11
